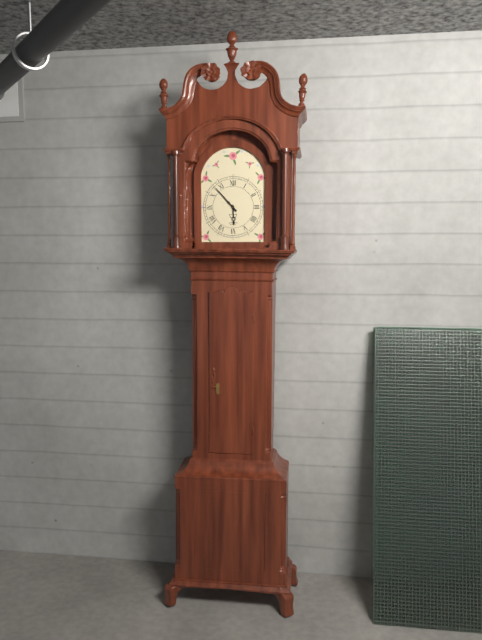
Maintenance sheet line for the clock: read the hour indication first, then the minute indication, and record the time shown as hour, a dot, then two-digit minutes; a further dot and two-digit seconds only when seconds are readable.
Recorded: 5.53
